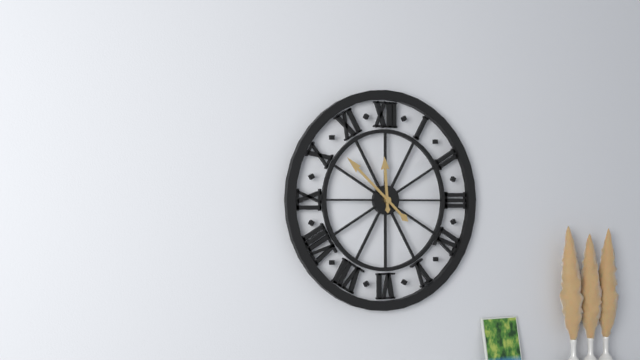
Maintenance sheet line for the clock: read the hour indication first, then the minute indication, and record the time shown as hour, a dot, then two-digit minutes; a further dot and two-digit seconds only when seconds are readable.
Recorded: 11.52
